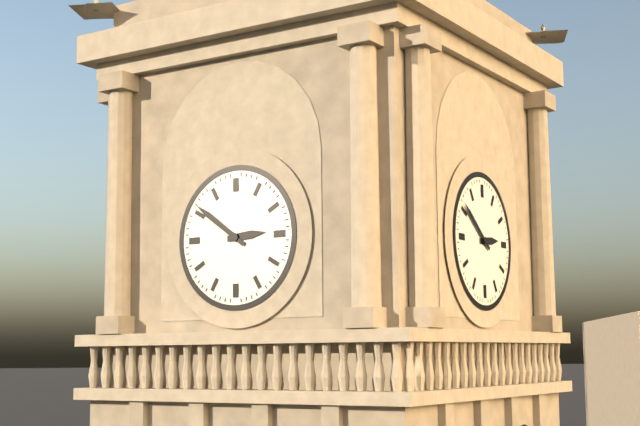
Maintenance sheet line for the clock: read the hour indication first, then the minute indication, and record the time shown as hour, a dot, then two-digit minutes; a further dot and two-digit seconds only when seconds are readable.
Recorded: 2.51
